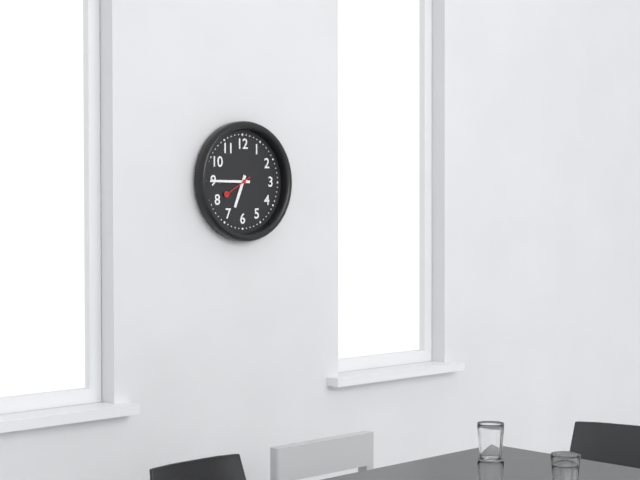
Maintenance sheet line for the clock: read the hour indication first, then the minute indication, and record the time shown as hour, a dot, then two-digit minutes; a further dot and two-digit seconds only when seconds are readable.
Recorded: 6.45
